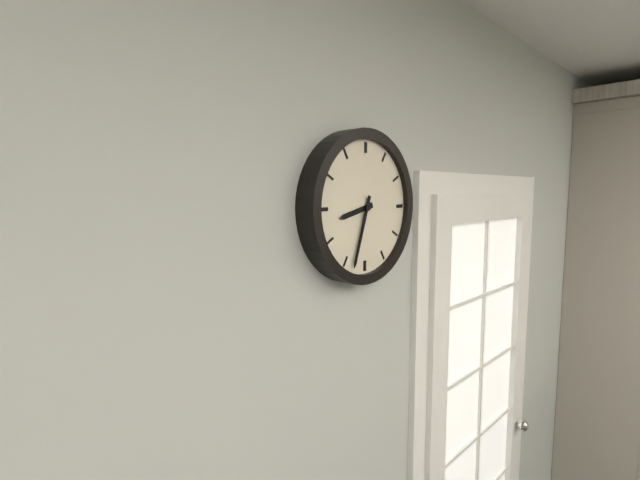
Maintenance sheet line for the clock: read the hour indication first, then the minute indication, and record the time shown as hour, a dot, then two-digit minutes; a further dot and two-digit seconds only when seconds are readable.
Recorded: 8.33
